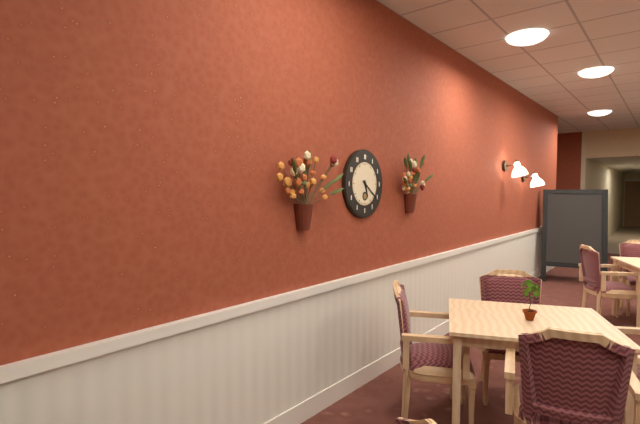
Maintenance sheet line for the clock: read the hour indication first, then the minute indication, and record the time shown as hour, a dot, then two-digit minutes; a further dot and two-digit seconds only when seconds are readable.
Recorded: 5.21
